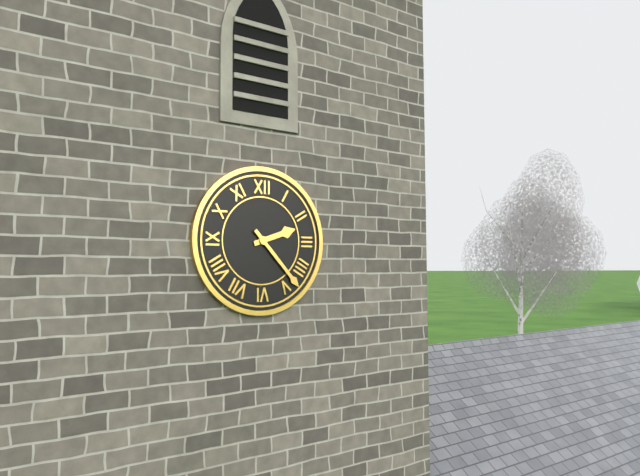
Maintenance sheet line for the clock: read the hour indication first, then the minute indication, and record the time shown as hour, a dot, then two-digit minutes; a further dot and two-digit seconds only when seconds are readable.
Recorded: 2.23
